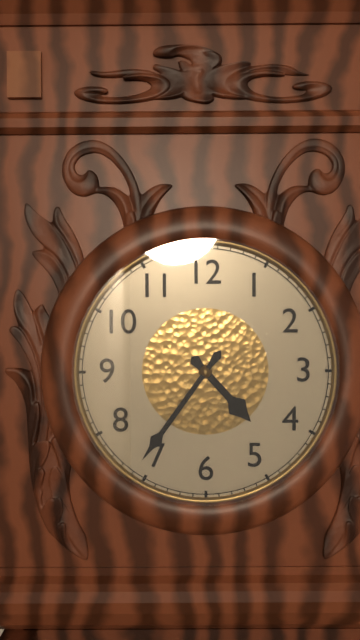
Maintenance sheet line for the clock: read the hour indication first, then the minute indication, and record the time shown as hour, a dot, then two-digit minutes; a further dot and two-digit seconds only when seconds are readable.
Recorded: 4.36
